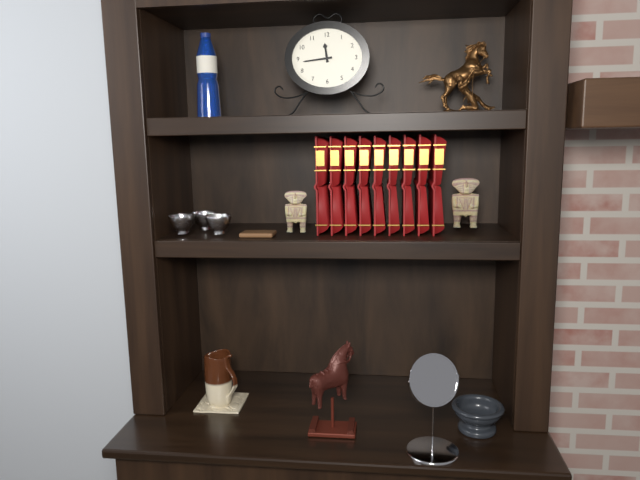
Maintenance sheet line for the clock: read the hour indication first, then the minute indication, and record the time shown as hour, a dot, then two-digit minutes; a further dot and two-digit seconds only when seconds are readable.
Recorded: 11.44
